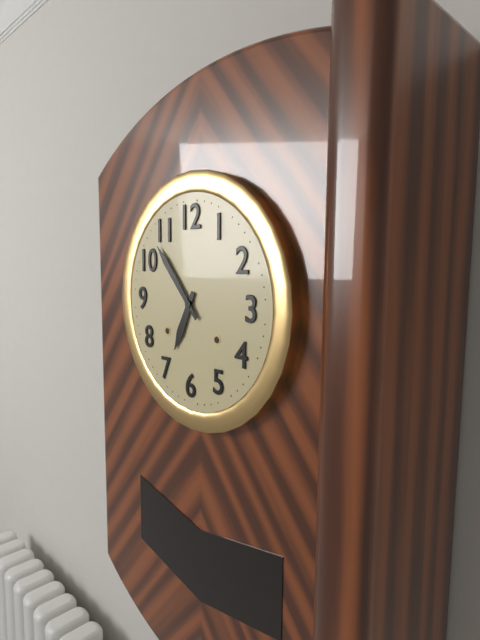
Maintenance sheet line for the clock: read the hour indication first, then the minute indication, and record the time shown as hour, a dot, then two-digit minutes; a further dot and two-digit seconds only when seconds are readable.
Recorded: 6.53
